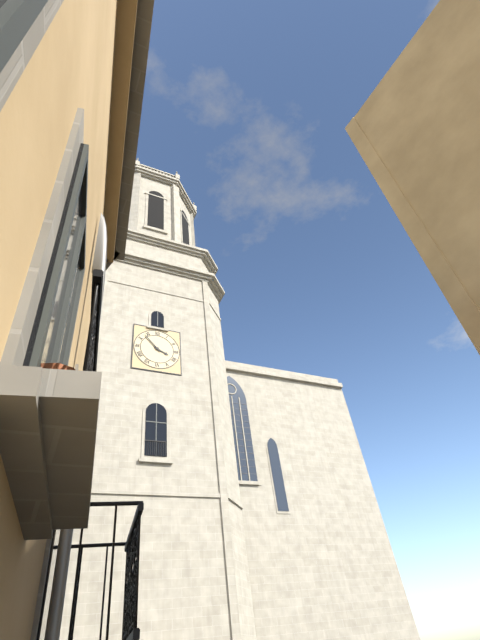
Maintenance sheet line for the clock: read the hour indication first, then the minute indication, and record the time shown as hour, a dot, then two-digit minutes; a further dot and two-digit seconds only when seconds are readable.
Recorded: 3.53
